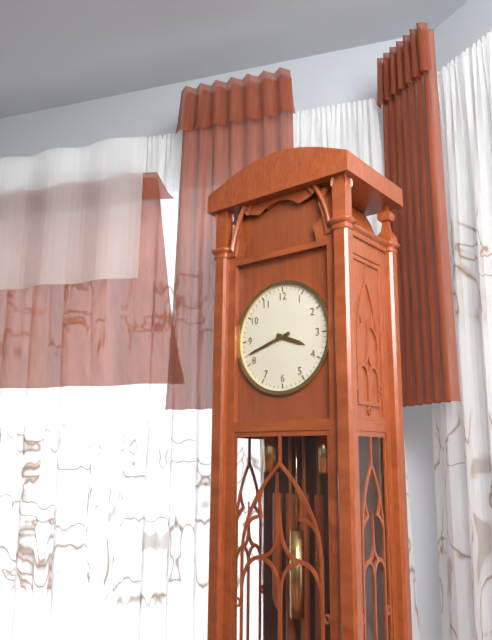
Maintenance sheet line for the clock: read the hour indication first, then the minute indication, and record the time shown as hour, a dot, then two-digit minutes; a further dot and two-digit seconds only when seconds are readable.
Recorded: 3.42
